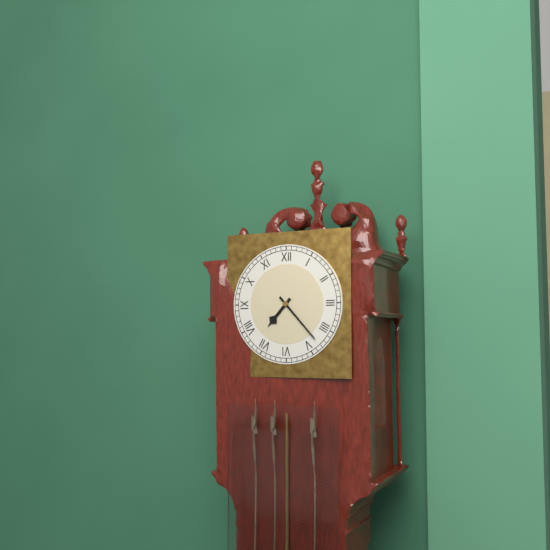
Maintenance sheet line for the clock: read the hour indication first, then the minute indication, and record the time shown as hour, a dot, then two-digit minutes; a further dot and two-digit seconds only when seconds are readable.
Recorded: 7.23
